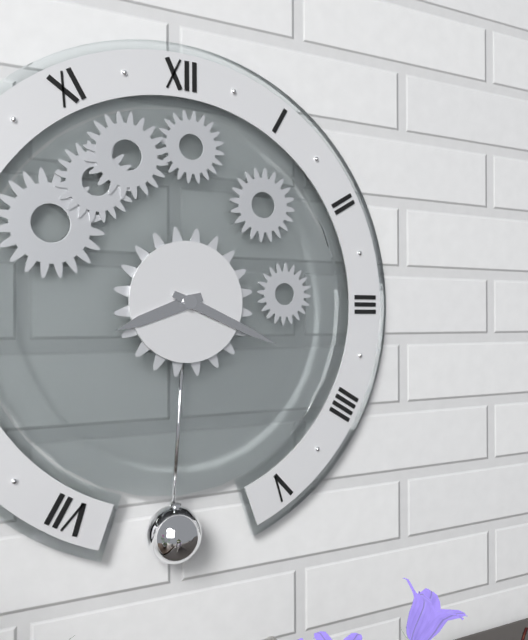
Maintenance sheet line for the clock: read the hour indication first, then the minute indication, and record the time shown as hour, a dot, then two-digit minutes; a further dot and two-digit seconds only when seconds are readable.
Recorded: 8.19
